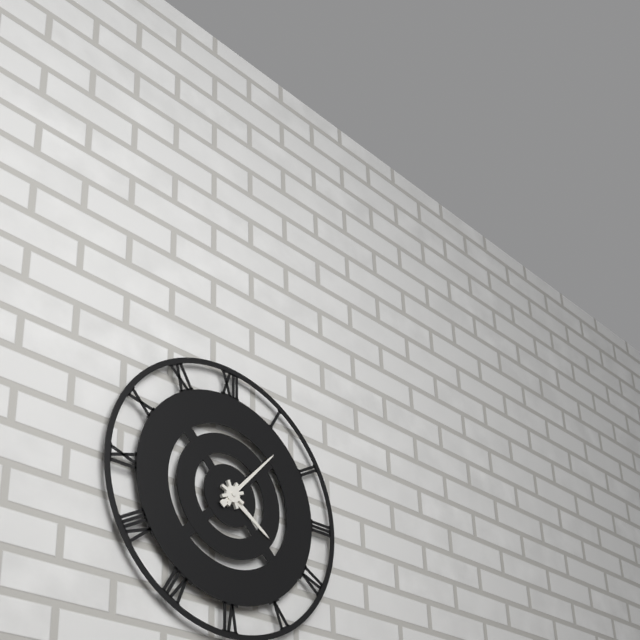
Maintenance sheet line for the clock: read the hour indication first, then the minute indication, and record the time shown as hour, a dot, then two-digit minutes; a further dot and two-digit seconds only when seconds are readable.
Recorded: 4.07
